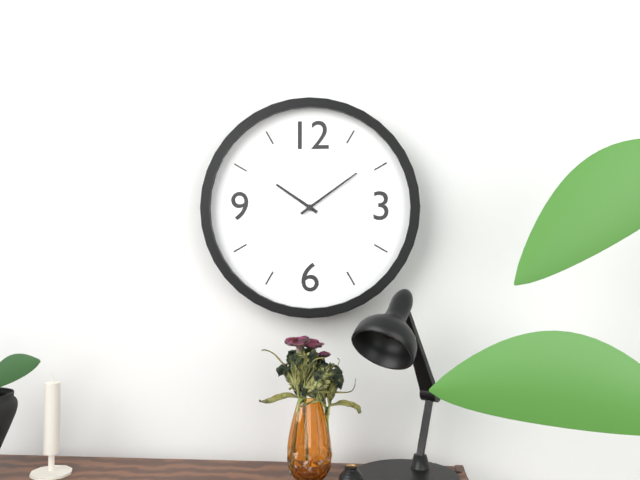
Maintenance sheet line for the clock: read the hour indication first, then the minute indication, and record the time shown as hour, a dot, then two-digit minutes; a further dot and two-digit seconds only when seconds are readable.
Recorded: 10.09
